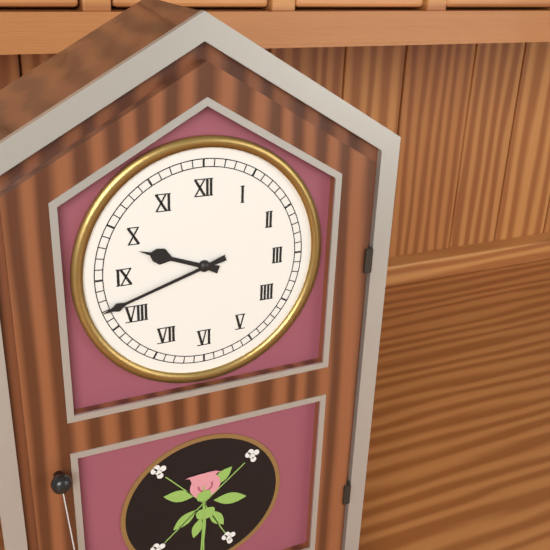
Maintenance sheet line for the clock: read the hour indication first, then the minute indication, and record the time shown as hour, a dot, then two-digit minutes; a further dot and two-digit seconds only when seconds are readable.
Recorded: 9.42
